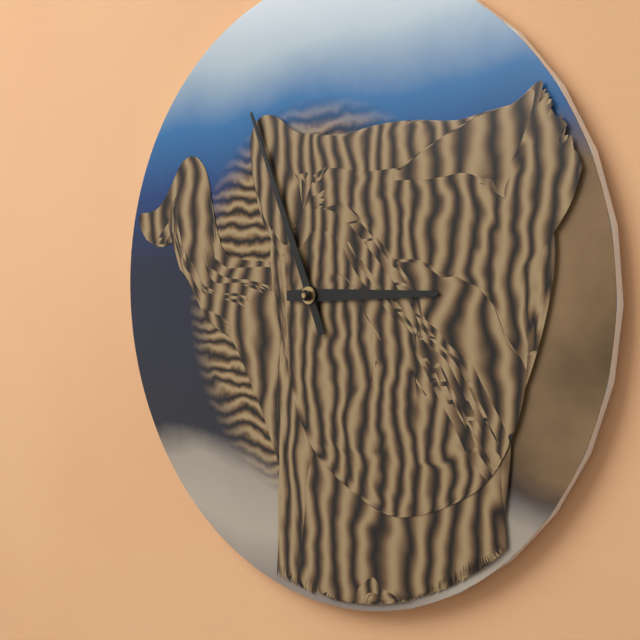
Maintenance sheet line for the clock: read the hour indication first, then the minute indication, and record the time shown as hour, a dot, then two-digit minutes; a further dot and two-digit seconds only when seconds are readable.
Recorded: 2.56
